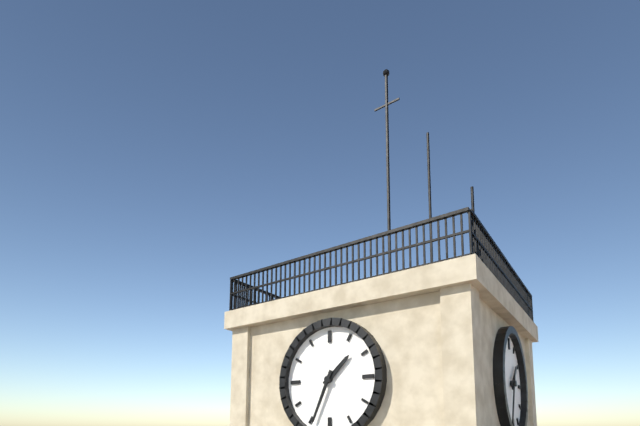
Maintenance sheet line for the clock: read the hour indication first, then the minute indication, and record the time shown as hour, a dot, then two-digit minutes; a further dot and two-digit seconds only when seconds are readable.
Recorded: 1.34
